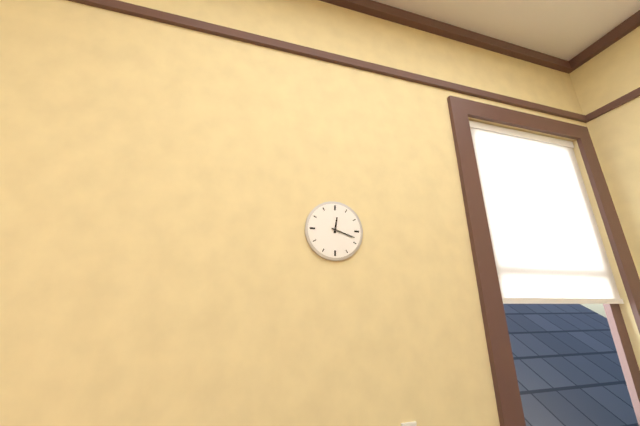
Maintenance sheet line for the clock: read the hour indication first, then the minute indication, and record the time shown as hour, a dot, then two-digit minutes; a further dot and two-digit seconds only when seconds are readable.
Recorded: 12.18
